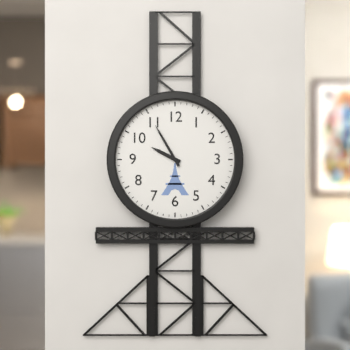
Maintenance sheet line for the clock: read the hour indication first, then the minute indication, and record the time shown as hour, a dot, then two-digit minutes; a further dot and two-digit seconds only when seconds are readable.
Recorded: 9.55
